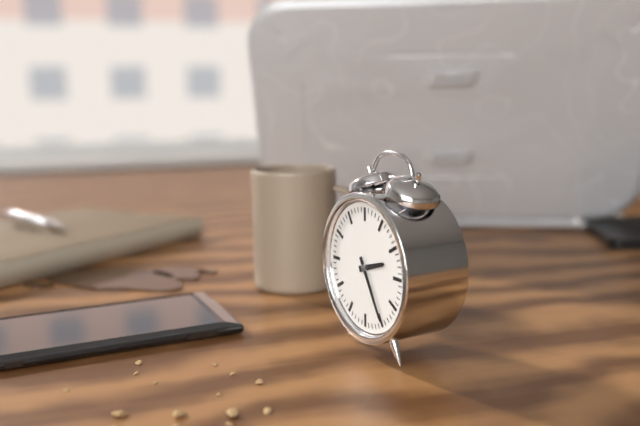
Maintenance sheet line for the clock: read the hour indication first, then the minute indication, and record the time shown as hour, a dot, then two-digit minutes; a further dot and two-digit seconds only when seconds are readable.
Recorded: 2.25
